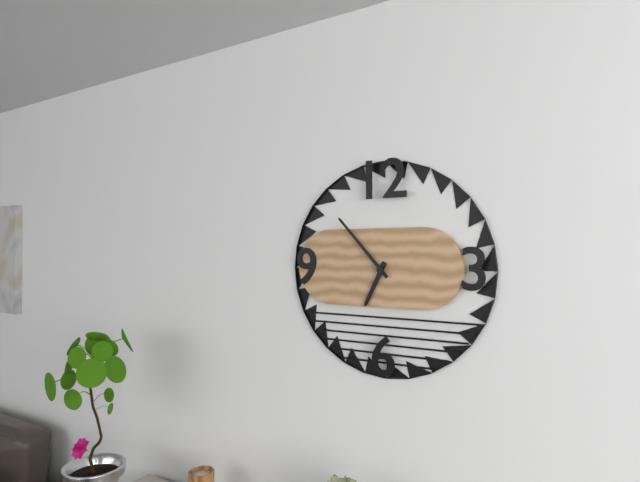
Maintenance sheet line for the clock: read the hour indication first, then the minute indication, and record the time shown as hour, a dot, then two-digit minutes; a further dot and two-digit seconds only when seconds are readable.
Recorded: 6.53
